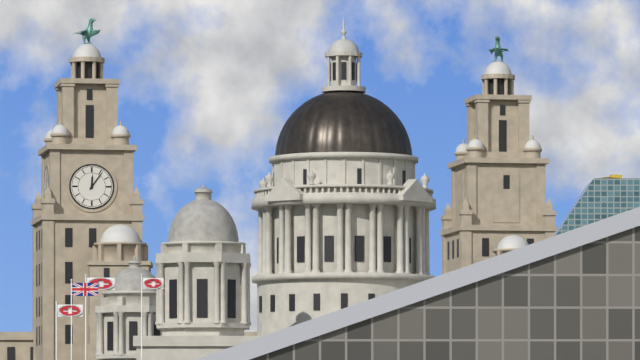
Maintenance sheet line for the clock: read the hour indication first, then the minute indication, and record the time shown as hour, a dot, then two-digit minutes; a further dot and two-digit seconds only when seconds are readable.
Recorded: 12.06
